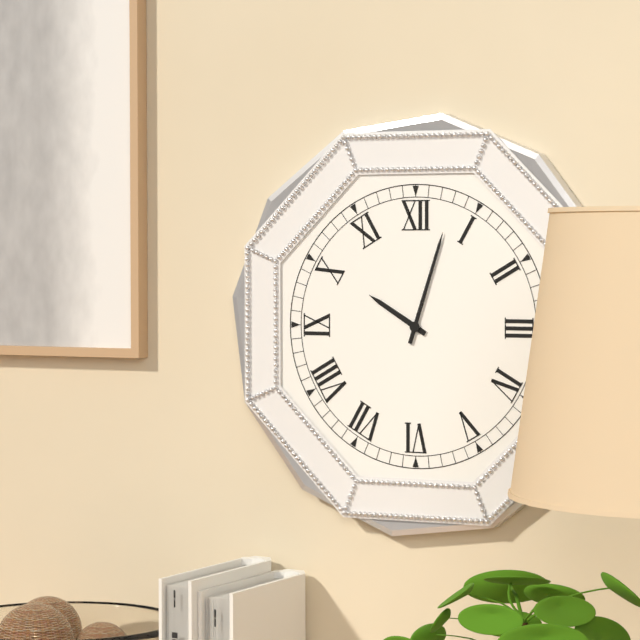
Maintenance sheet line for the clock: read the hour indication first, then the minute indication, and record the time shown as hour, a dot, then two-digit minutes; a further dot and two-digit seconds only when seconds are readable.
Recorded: 10.03
